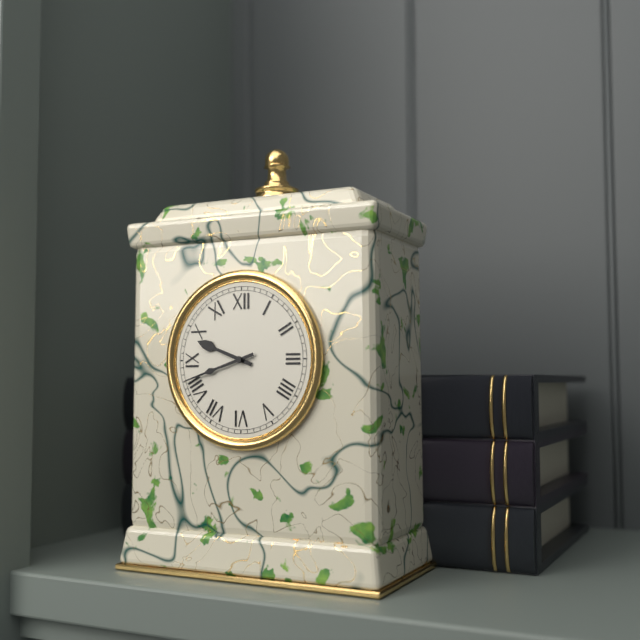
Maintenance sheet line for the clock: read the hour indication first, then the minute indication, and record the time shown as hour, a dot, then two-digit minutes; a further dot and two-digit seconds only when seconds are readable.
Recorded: 9.42
